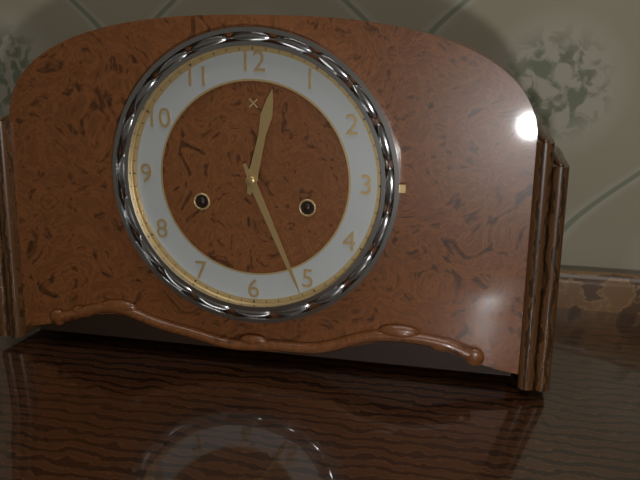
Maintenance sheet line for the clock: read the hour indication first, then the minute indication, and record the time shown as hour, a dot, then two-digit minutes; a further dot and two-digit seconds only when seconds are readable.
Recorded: 12.26
